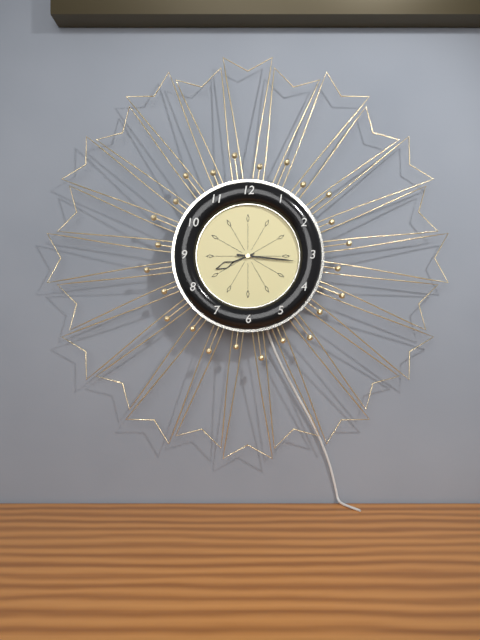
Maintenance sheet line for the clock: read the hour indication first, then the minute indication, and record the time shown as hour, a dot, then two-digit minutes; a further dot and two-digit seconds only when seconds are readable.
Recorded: 8.16
